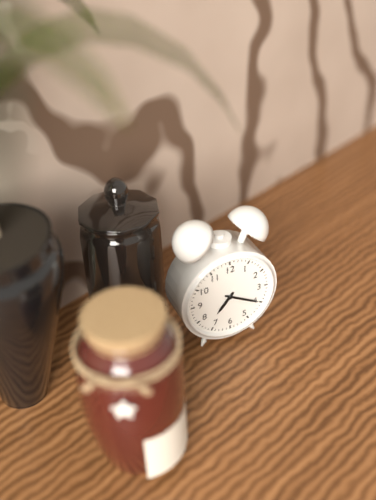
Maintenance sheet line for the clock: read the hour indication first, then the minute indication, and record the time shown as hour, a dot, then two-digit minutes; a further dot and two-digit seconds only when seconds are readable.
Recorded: 7.20
